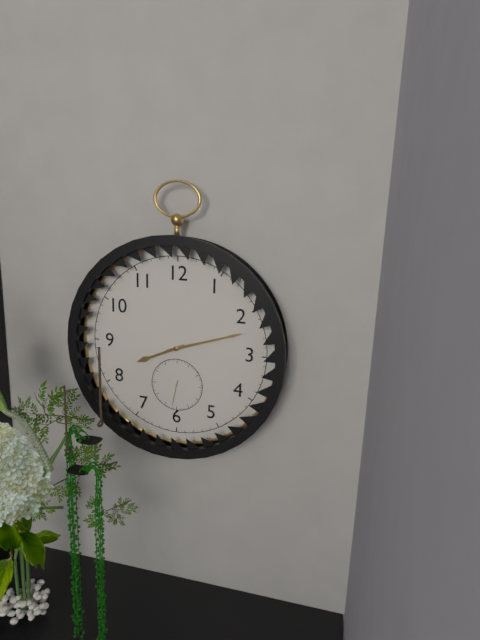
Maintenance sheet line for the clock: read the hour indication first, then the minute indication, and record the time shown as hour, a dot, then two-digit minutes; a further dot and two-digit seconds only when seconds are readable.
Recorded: 8.12
